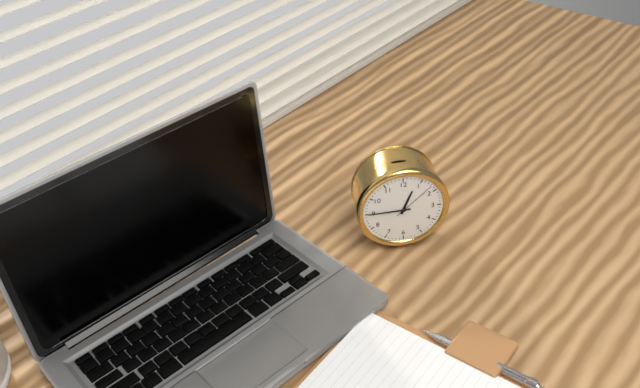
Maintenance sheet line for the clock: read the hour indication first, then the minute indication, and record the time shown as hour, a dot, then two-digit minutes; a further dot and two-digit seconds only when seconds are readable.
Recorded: 12.45
